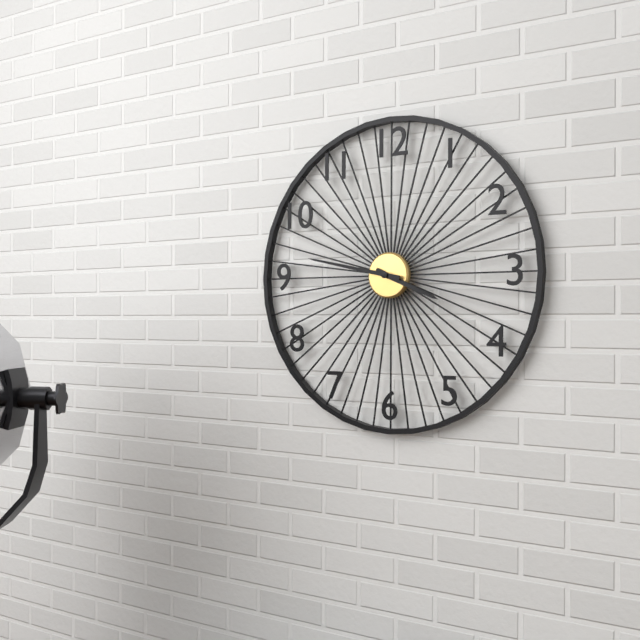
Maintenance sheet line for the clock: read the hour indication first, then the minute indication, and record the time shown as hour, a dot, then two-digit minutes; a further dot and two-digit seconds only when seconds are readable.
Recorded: 3.47
